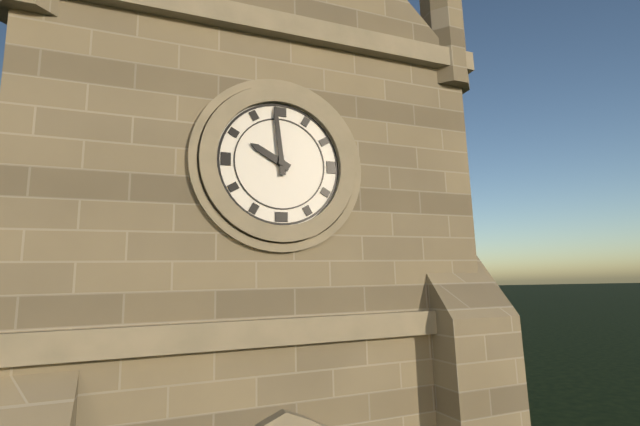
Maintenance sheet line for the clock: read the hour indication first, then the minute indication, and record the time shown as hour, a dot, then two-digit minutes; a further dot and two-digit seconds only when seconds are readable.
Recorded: 9.59
